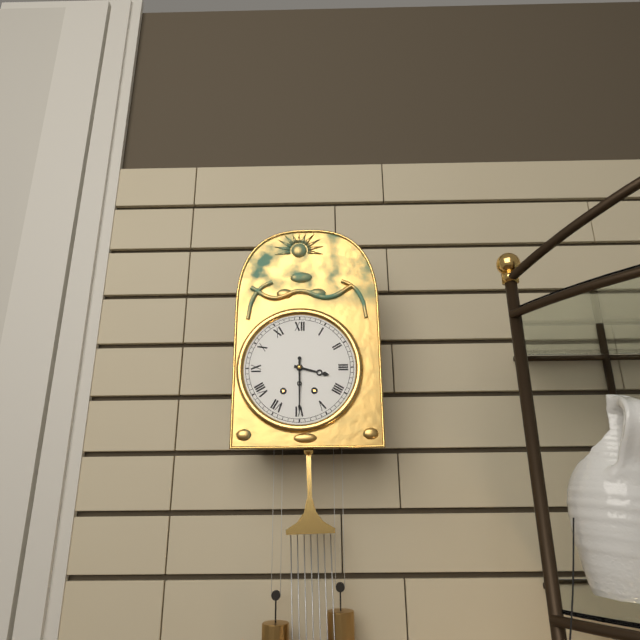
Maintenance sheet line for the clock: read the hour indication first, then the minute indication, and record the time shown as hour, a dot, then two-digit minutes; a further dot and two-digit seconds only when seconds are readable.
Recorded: 3.30
